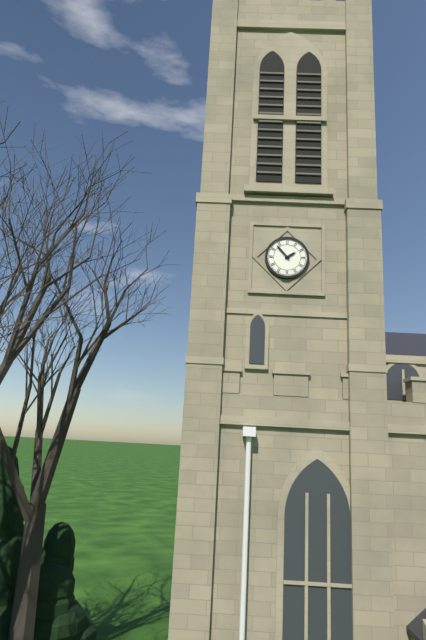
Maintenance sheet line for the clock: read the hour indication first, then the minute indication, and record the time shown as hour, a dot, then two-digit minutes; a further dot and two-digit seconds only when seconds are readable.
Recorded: 1.53
